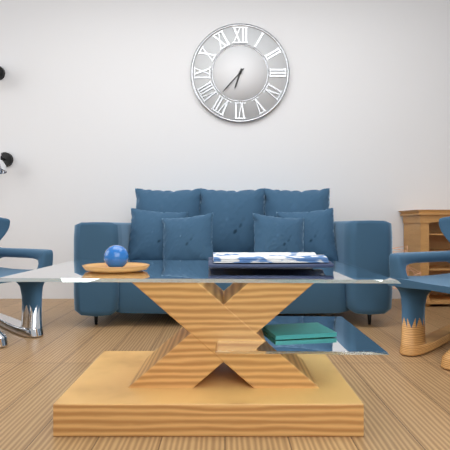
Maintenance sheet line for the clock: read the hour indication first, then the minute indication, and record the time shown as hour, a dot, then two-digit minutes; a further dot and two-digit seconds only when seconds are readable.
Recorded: 6.37
